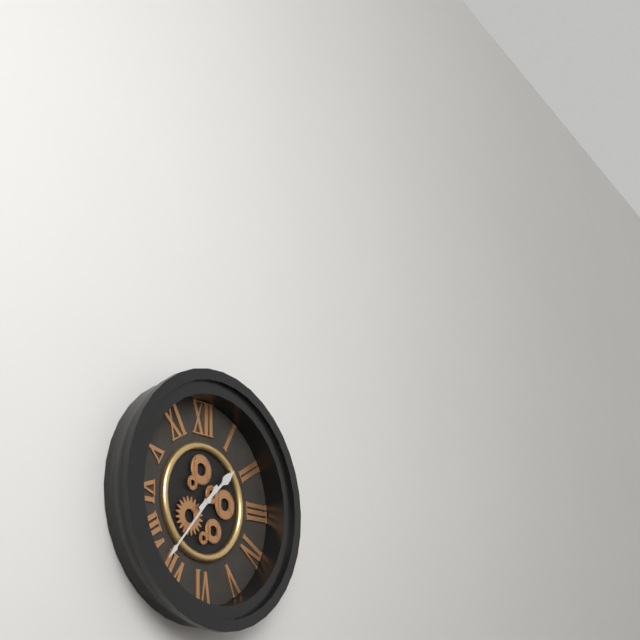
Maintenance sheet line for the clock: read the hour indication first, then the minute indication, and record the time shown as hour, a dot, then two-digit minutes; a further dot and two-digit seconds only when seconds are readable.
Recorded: 1.37
